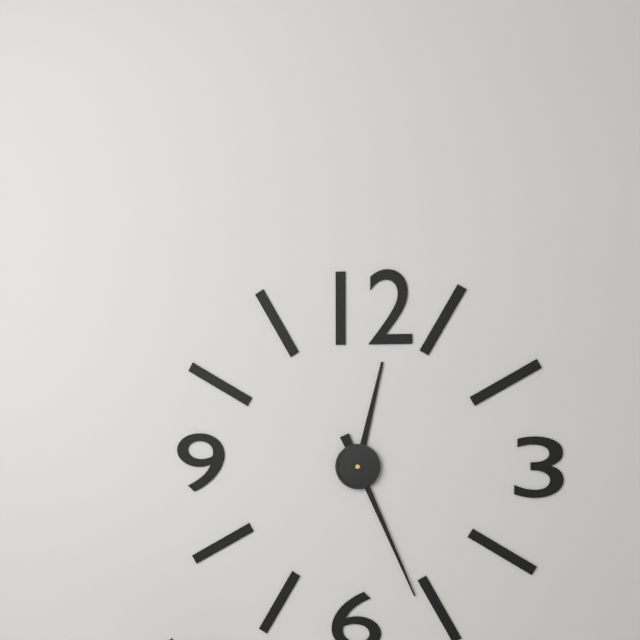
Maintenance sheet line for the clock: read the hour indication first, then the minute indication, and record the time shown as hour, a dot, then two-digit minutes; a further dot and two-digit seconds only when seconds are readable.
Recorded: 12.26
